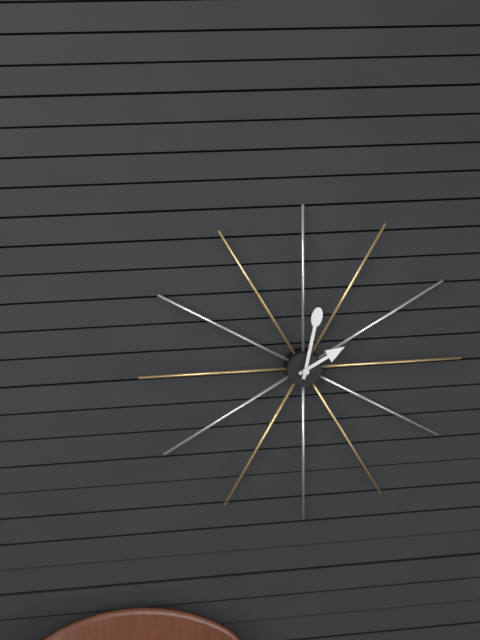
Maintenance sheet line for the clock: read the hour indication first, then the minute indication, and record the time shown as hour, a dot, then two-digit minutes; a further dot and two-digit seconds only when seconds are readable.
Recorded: 2.02
